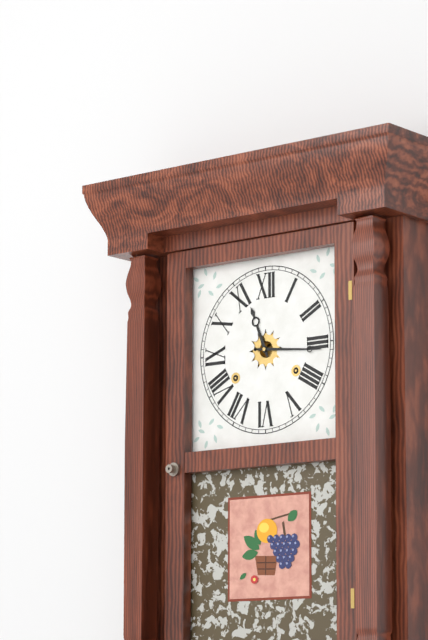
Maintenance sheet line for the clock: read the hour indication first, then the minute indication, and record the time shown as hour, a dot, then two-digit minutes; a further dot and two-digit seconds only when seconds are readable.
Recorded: 11.16
